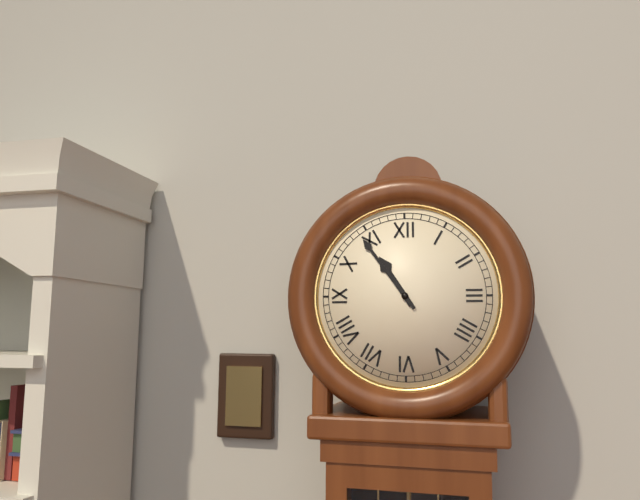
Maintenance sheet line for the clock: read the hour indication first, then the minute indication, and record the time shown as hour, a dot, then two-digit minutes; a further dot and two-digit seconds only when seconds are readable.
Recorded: 10.54
